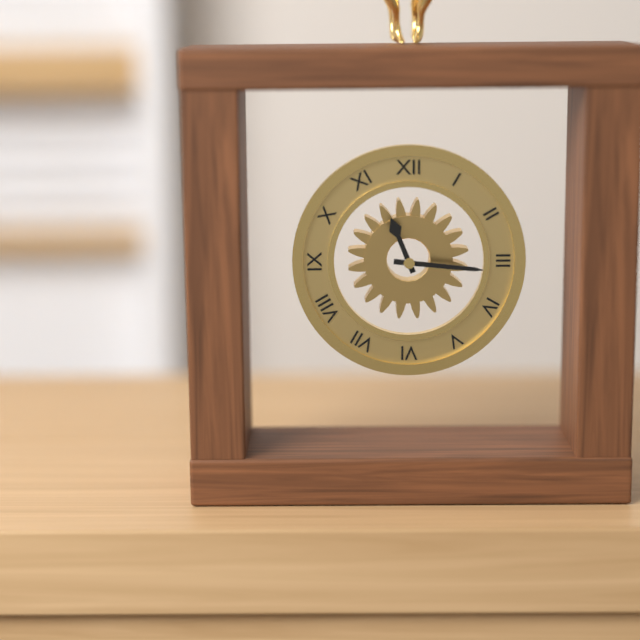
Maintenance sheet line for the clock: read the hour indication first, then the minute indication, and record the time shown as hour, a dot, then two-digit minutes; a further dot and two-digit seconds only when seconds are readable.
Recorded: 11.16
